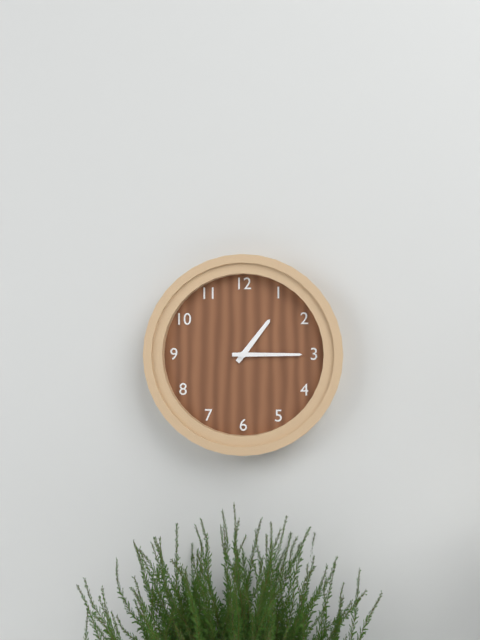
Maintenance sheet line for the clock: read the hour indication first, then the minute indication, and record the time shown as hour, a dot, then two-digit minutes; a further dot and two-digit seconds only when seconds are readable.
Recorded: 1.15
